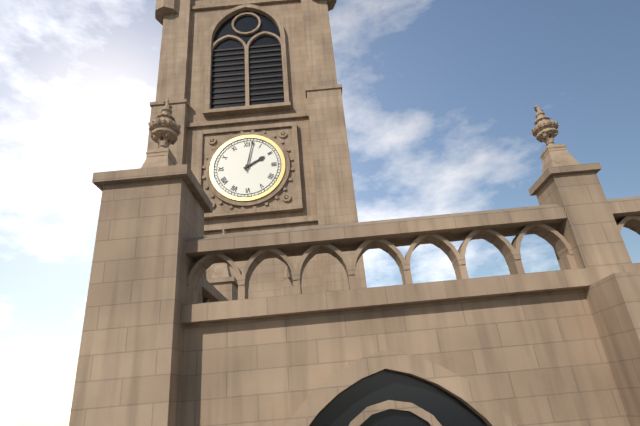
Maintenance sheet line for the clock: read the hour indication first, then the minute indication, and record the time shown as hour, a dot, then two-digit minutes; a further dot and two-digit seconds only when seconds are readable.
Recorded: 2.02
